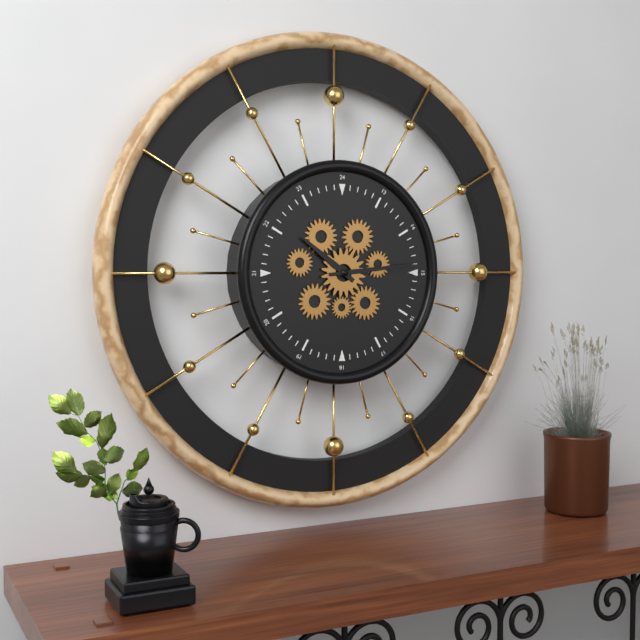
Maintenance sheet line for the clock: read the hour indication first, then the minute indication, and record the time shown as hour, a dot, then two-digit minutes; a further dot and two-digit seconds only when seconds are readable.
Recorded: 10.14
